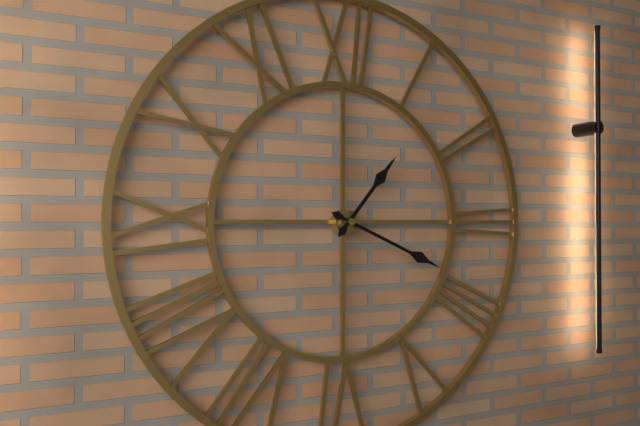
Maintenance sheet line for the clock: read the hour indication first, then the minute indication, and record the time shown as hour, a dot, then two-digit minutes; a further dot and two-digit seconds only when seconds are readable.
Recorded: 1.19
